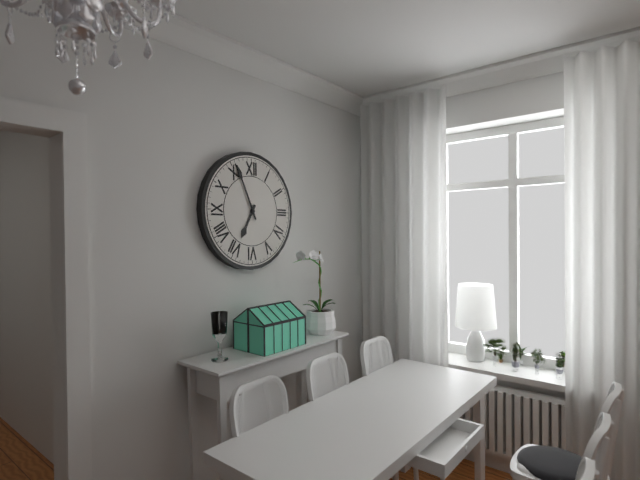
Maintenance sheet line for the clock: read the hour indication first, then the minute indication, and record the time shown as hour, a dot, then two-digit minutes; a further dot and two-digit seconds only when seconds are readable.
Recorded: 6.56
